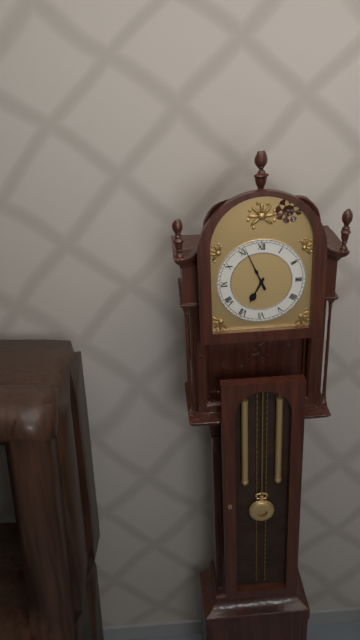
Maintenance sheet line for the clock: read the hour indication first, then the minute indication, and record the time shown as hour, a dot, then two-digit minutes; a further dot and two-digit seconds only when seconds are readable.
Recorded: 6.56
